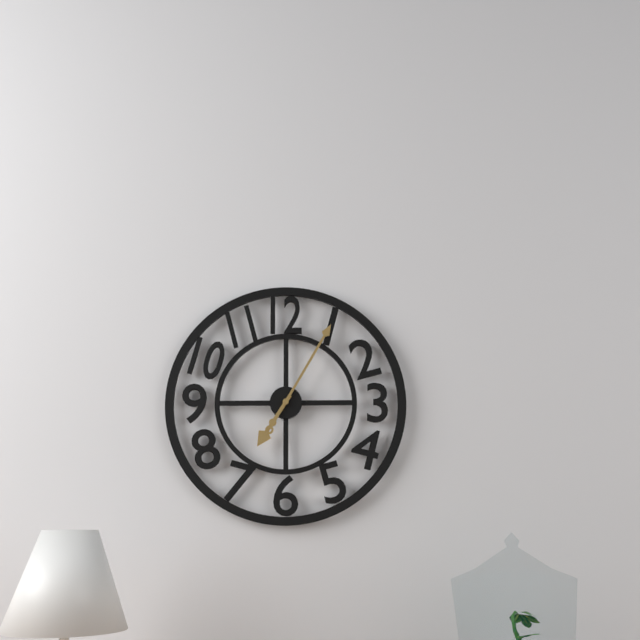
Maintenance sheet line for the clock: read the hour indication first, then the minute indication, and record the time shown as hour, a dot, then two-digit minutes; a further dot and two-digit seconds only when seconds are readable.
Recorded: 7.05
